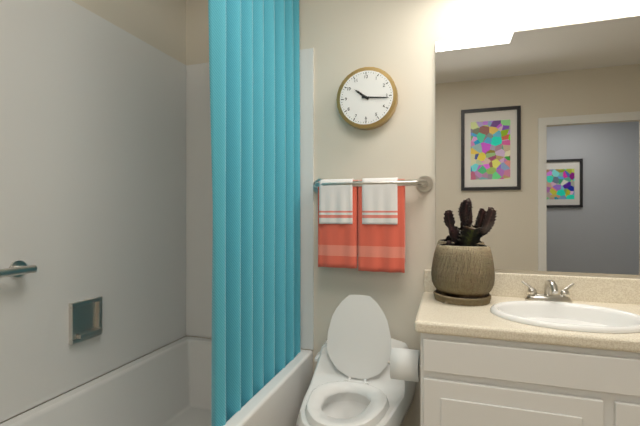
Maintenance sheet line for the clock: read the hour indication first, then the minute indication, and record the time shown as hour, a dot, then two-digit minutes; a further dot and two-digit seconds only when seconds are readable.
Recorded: 10.16
